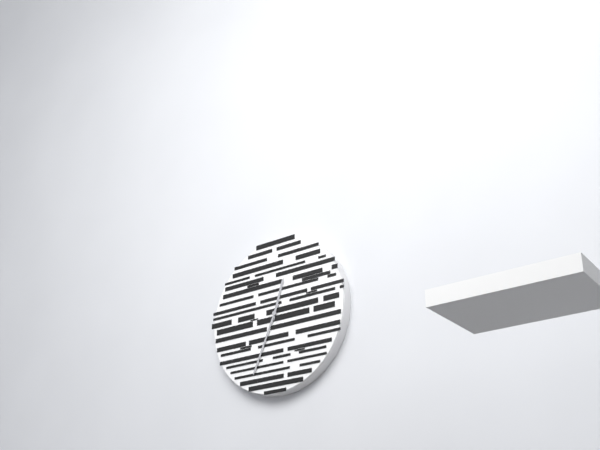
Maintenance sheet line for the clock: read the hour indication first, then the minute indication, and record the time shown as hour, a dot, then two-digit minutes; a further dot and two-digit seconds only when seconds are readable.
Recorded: 12.34
